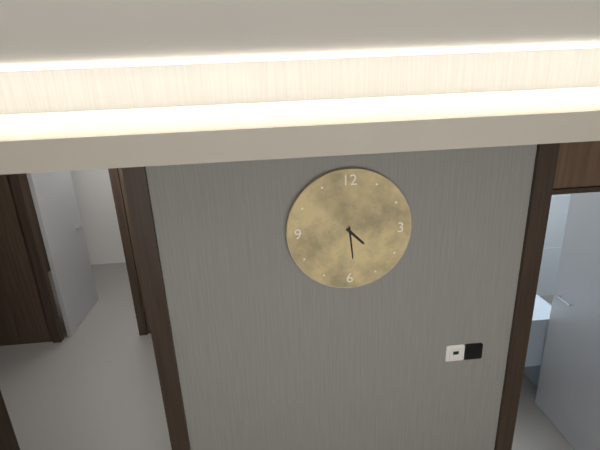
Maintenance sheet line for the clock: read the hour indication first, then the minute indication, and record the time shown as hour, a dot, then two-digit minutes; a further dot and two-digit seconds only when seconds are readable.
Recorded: 4.29
